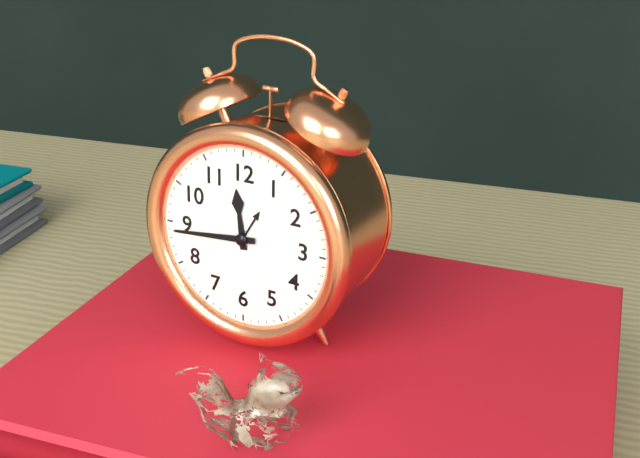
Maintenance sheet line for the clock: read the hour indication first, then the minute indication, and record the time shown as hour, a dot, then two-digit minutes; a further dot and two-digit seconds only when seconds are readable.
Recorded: 11.44
